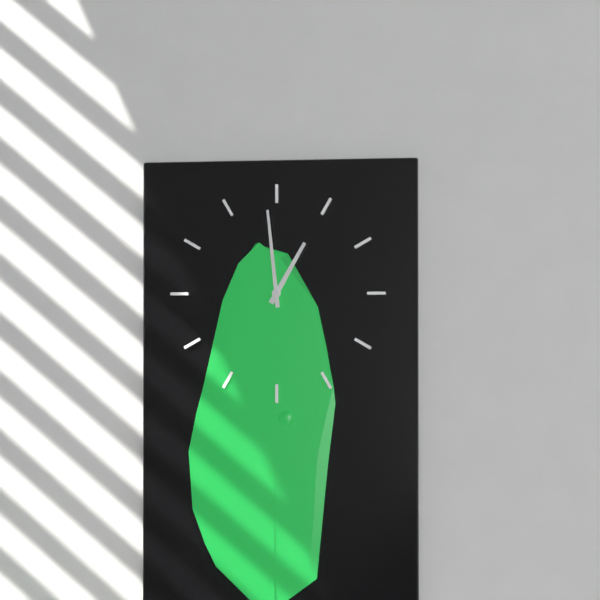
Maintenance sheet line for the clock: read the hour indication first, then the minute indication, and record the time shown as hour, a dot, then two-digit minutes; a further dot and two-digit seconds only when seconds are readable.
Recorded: 12.59
